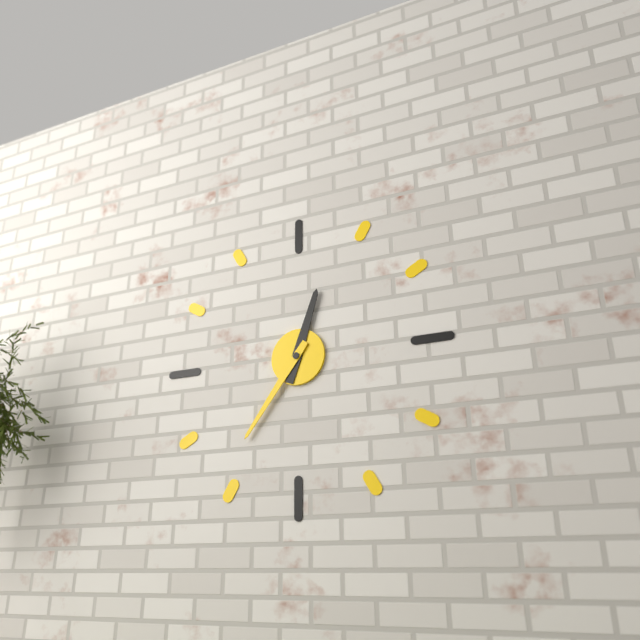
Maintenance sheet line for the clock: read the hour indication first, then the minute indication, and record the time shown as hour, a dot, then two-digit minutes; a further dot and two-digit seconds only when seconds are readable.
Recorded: 12.36
